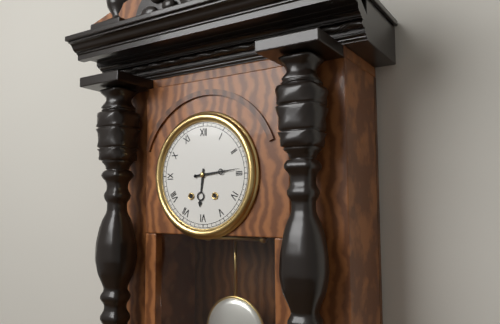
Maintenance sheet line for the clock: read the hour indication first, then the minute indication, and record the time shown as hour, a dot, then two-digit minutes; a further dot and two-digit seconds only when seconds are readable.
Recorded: 6.14
